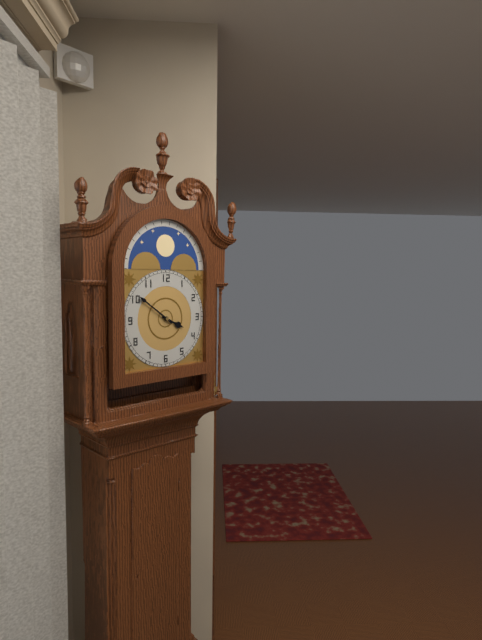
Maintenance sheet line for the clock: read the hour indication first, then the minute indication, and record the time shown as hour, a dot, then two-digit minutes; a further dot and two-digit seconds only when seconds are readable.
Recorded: 3.51
